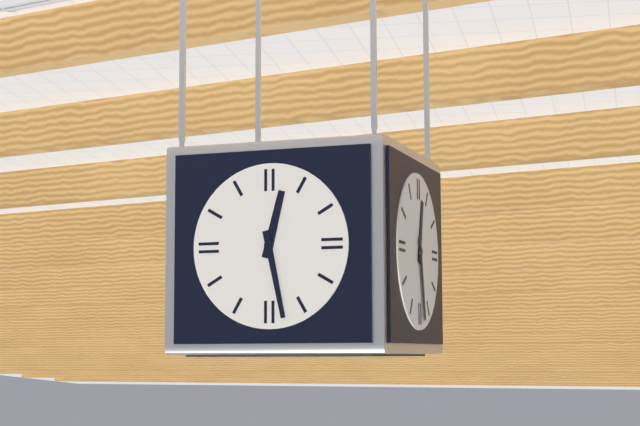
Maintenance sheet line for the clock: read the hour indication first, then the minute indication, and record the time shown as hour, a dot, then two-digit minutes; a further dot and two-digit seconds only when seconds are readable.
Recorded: 12.28
